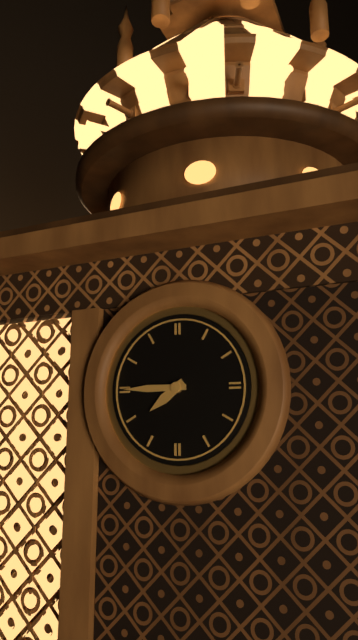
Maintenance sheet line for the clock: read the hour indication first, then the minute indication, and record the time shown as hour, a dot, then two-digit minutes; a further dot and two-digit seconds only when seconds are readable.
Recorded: 7.45
